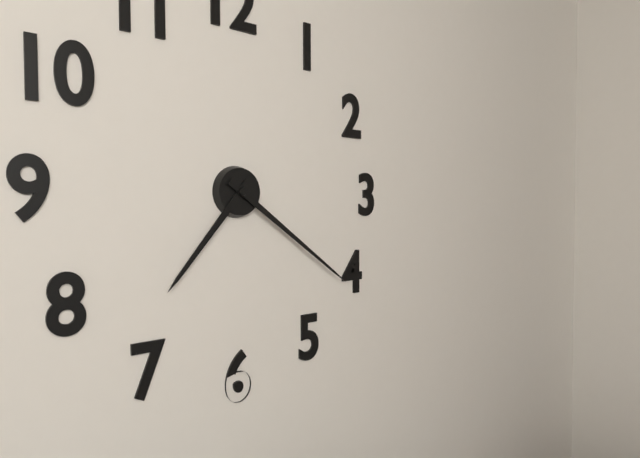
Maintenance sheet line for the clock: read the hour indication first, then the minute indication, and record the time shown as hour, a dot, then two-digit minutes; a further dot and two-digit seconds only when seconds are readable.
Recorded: 7.21
